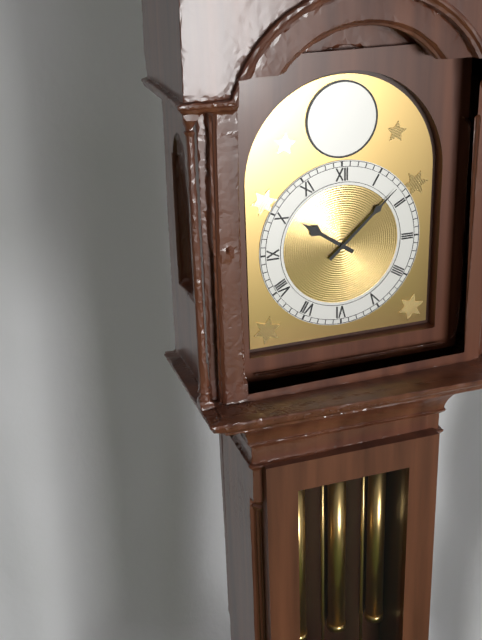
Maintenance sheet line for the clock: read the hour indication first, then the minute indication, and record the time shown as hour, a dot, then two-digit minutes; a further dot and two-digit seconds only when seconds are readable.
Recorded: 10.08
